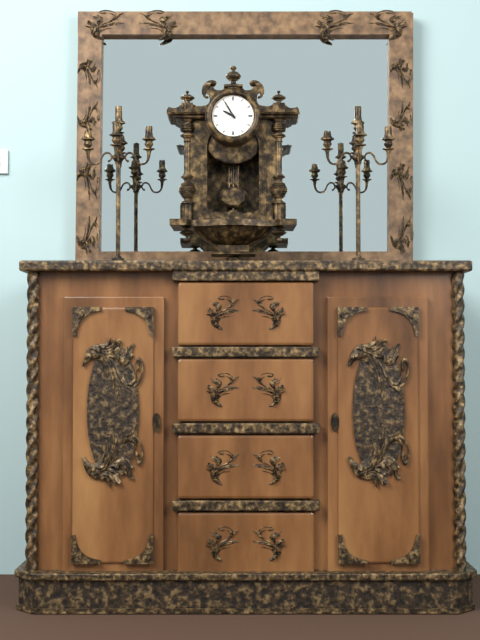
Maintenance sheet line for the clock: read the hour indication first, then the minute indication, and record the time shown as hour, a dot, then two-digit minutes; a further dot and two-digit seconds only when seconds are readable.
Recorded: 9.55
